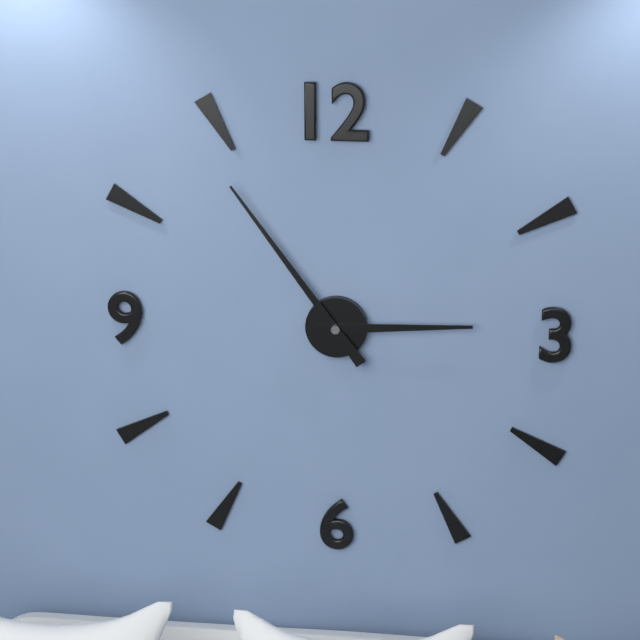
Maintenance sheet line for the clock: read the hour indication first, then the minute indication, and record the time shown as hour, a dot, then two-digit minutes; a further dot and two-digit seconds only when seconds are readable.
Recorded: 2.54
